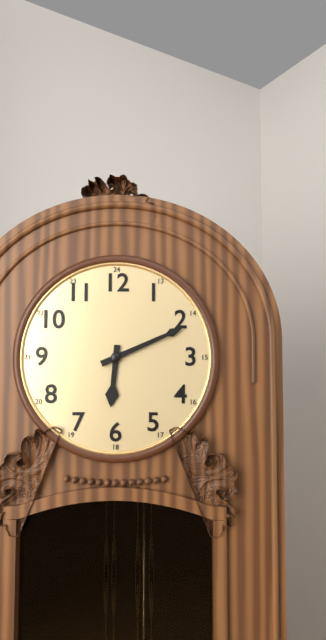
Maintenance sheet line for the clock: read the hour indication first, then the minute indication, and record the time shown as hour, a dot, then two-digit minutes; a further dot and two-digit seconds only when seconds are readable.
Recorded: 6.11
